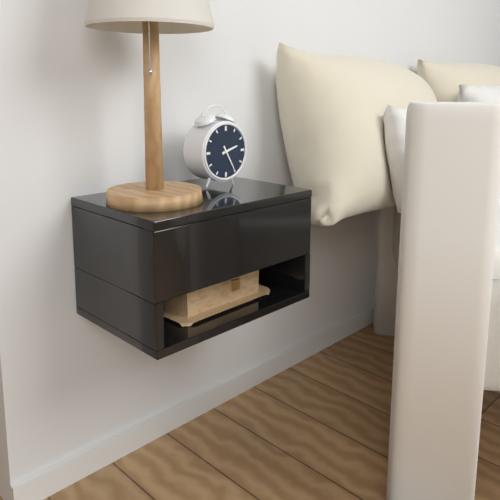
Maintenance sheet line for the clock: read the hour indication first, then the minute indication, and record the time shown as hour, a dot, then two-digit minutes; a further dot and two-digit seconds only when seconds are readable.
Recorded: 2.25
